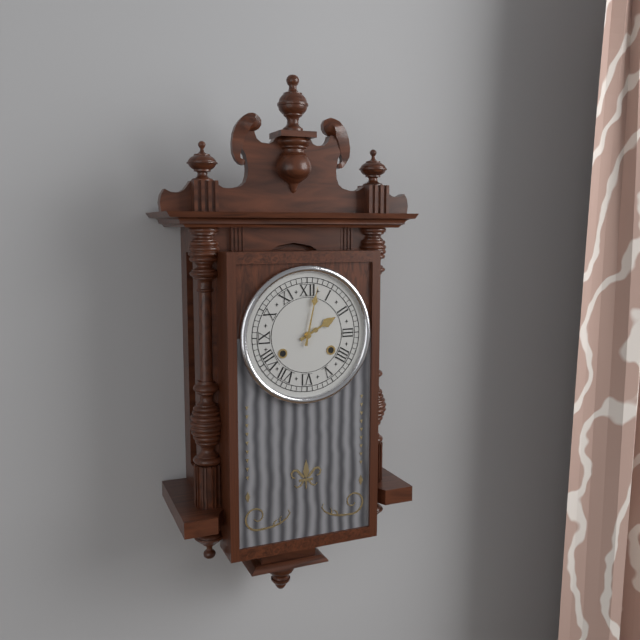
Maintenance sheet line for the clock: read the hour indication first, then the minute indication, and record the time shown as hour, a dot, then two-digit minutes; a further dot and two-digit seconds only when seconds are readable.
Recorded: 2.02
